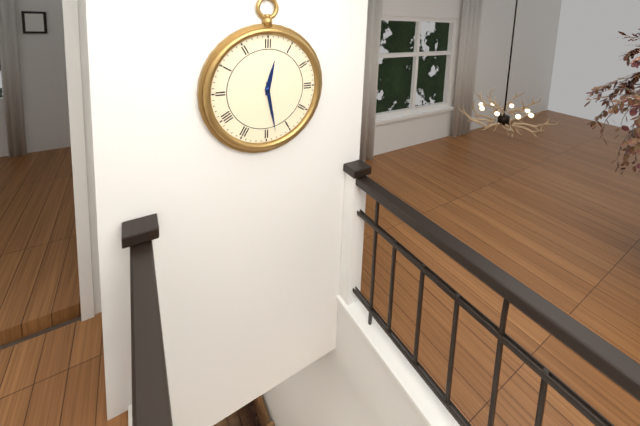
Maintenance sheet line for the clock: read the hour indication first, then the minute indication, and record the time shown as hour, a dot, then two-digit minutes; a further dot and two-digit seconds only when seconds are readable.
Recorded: 12.28
